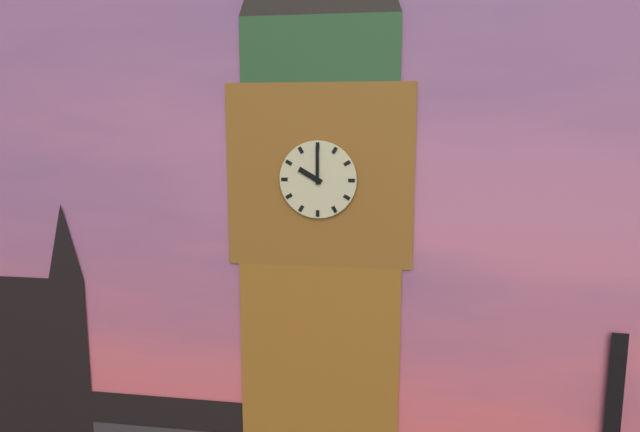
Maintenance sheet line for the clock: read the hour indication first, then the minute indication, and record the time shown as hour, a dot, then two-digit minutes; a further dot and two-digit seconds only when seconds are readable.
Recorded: 10.00
